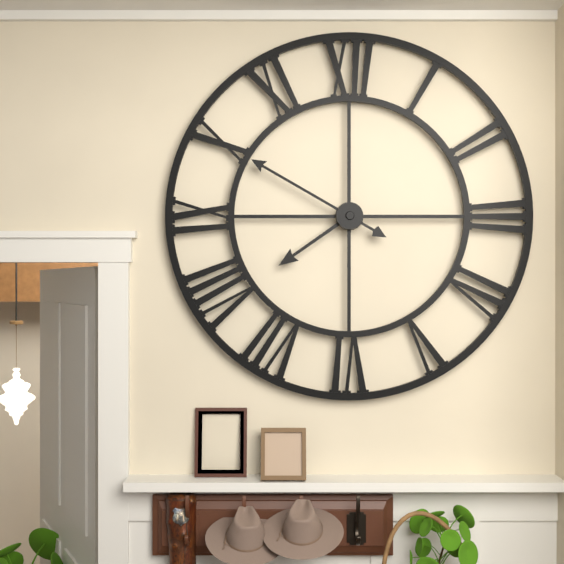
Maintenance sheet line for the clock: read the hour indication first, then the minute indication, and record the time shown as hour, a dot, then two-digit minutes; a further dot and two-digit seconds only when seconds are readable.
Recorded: 7.50
